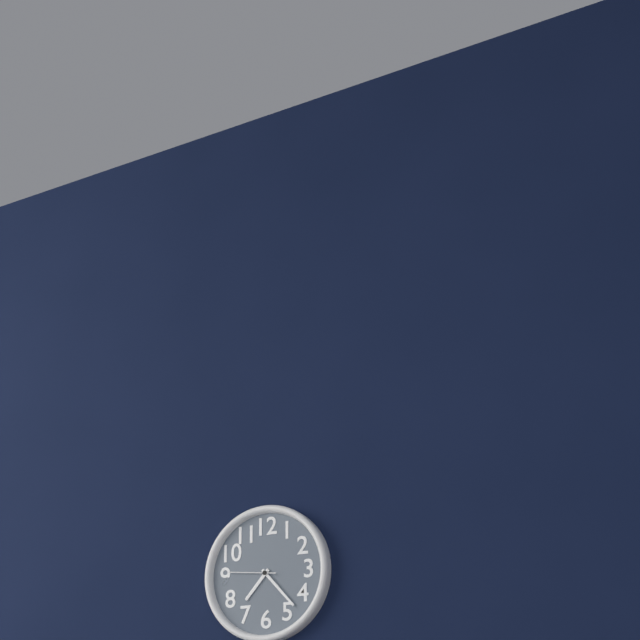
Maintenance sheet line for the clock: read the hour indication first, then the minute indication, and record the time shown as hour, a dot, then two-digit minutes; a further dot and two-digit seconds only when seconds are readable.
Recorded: 7.23
